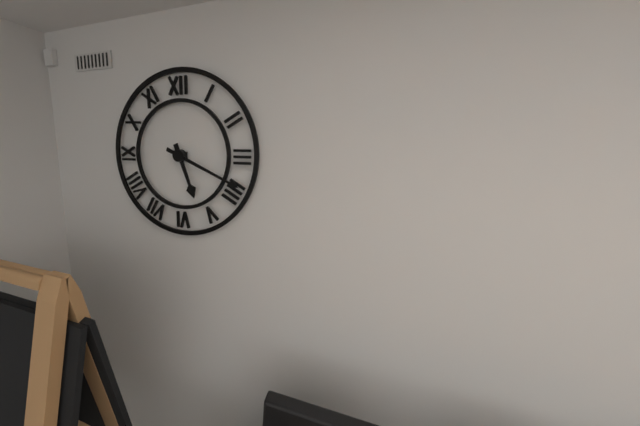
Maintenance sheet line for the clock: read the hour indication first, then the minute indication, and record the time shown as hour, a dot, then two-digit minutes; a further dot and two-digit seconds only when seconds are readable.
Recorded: 5.19
